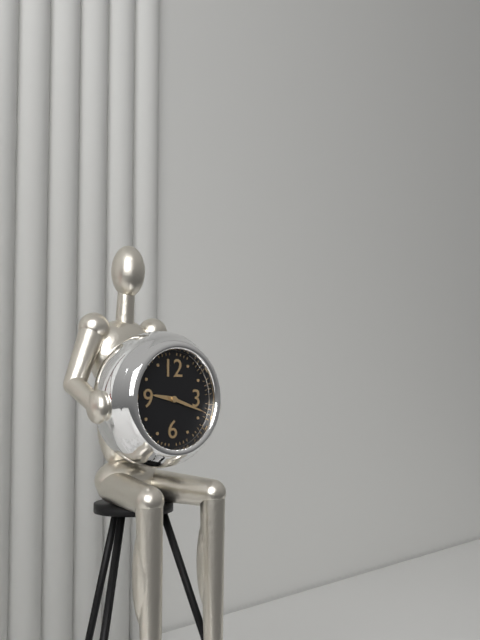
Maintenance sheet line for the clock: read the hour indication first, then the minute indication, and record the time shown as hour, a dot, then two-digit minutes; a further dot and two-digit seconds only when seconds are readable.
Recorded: 9.18
